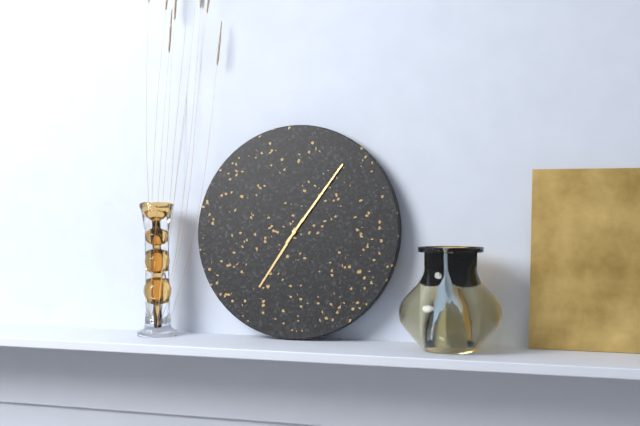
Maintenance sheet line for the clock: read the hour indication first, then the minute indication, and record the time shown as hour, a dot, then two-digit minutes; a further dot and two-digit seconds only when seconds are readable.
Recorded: 7.06
